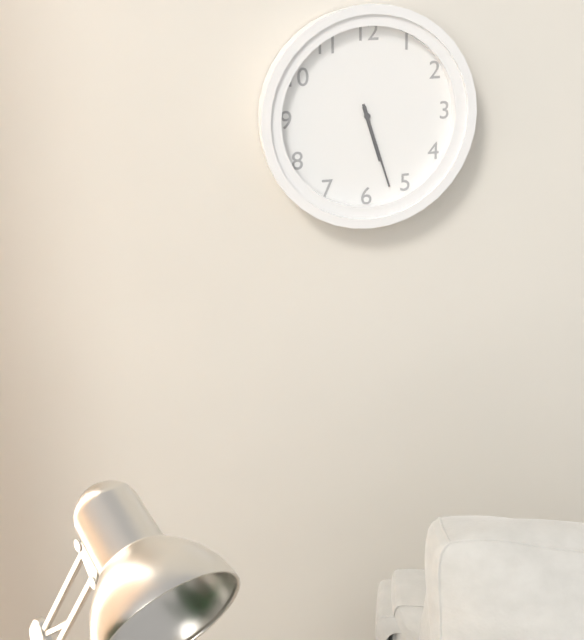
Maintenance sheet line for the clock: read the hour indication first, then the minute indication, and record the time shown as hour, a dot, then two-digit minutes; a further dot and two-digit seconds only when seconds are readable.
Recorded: 5.27
